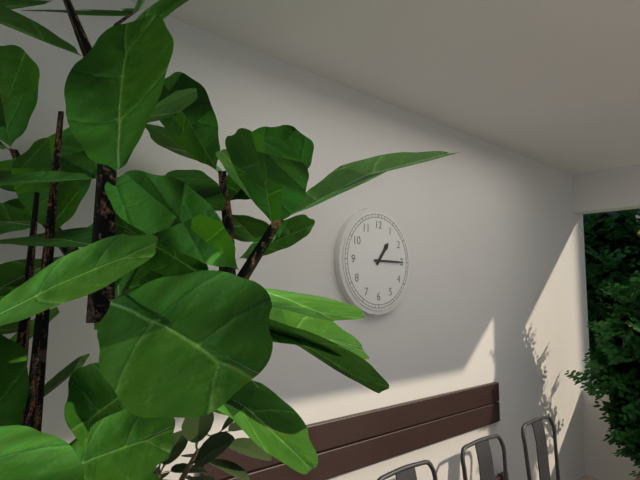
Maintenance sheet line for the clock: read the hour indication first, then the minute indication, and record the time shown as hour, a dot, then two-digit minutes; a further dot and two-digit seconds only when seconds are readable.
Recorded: 1.15
